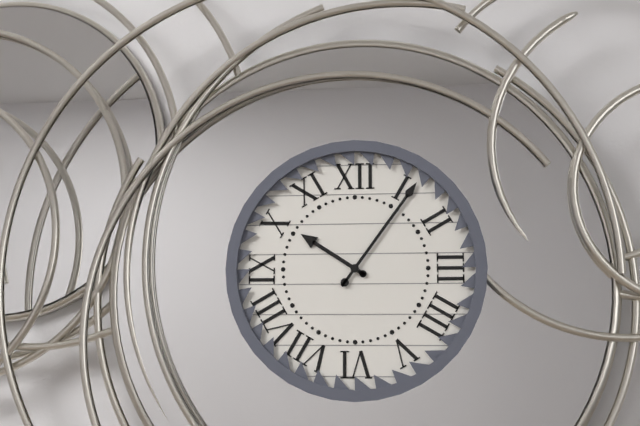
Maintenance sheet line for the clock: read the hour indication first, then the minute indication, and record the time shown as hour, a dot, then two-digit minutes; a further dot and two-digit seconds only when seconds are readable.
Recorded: 10.06
